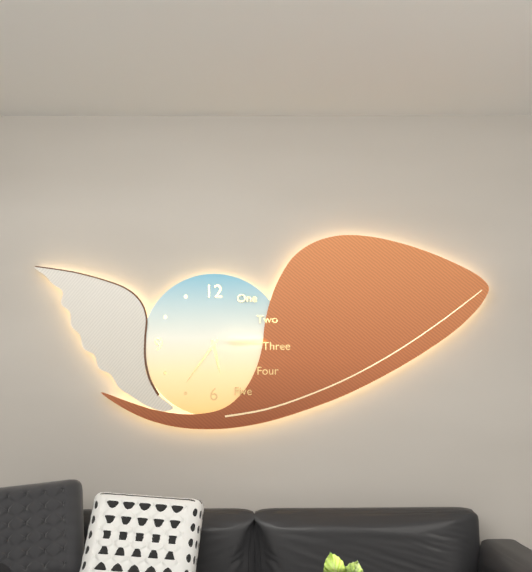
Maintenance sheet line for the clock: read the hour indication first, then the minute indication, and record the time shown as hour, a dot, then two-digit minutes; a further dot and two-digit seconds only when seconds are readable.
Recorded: 5.36
